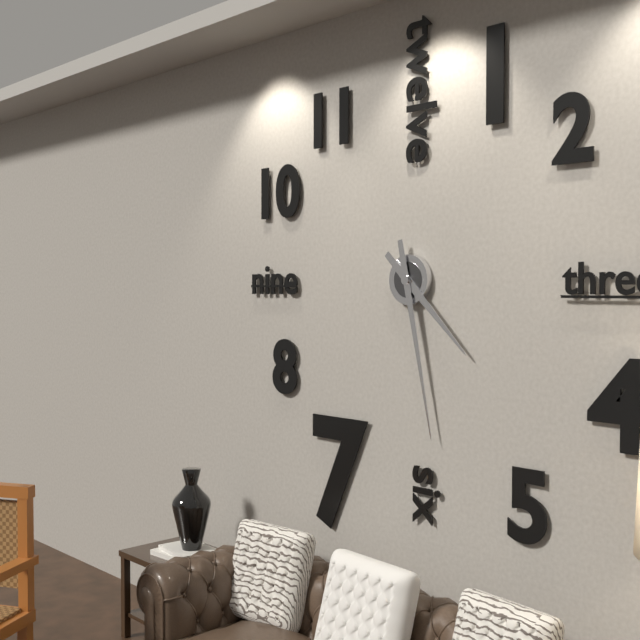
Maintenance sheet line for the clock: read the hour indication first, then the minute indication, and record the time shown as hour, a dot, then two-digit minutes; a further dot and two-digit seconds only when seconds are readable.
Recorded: 4.28
